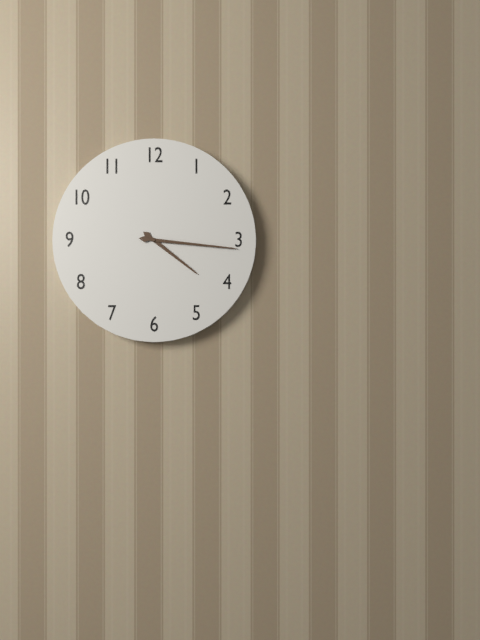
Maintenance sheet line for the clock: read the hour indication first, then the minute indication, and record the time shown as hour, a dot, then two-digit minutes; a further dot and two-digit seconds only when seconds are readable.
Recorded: 4.16
